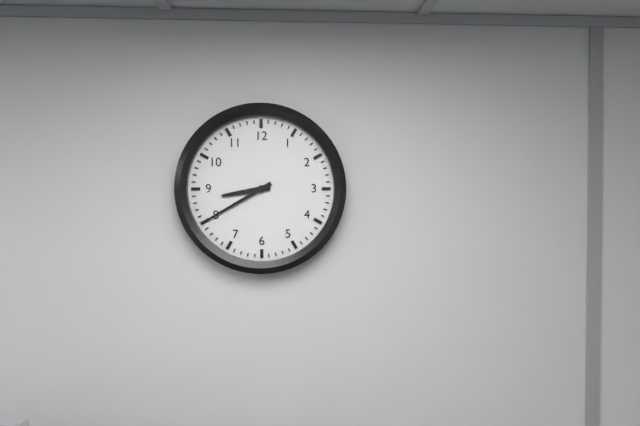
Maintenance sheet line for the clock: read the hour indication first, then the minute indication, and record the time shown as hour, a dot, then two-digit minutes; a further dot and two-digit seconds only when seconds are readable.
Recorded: 8.40
